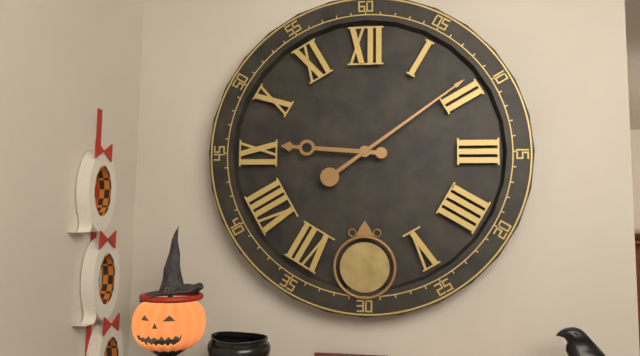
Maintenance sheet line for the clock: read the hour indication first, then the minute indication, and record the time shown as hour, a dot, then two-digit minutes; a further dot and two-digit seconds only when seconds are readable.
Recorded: 9.09
